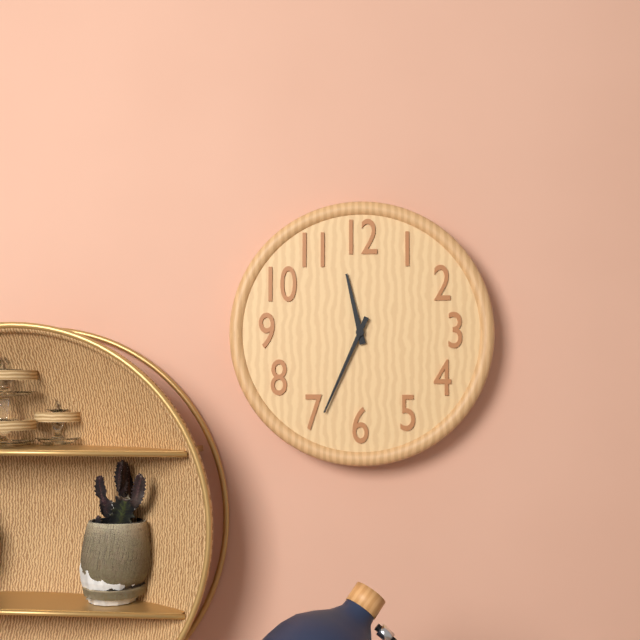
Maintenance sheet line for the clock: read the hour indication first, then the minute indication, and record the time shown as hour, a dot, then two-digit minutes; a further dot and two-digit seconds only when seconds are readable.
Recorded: 11.34
